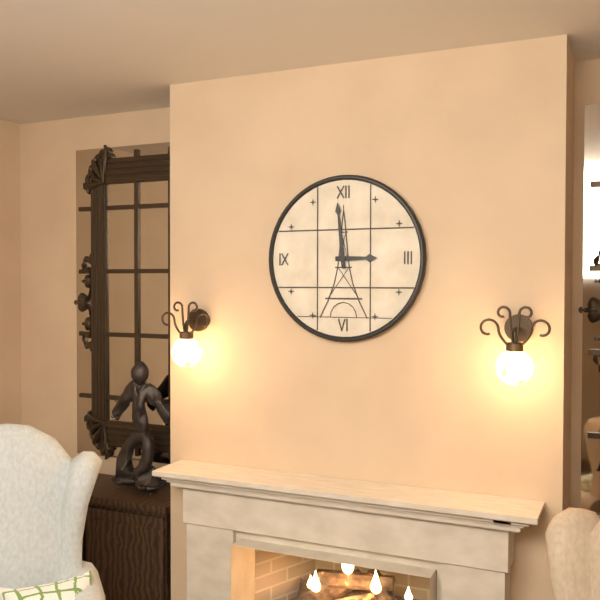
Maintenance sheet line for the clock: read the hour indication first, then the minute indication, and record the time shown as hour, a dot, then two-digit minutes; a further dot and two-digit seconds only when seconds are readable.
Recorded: 2.59
